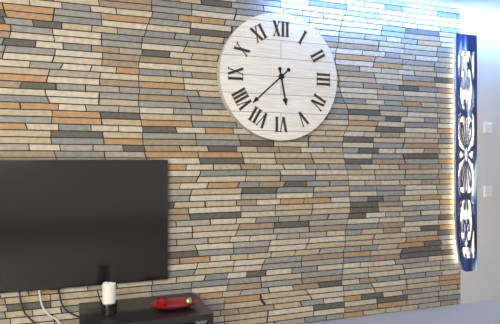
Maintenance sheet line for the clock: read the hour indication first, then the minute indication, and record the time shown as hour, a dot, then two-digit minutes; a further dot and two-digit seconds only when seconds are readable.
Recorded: 5.38
